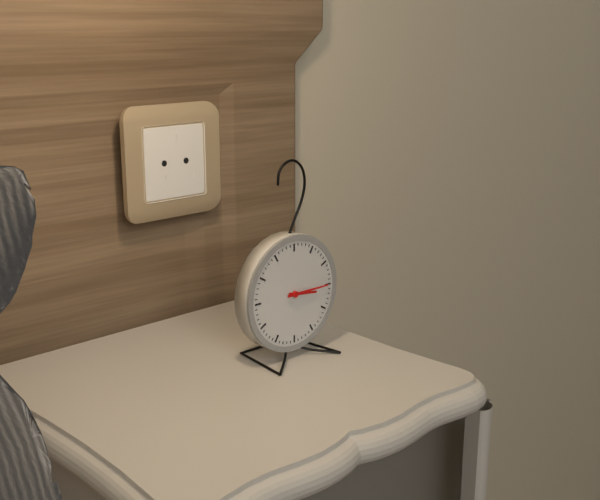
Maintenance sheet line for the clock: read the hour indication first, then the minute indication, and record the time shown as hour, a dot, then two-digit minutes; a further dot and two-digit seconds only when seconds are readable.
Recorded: 3.15
